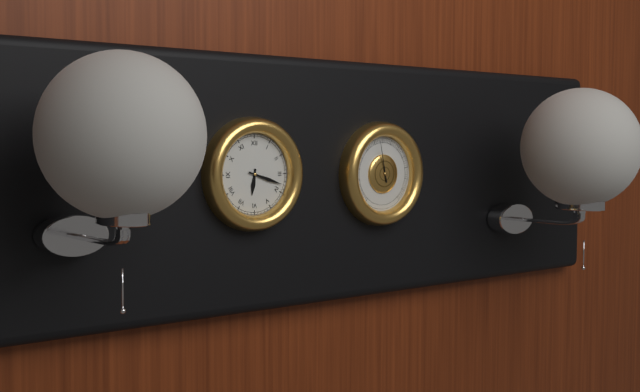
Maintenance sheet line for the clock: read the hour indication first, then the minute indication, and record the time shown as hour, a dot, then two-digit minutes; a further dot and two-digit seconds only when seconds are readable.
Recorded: 6.18
